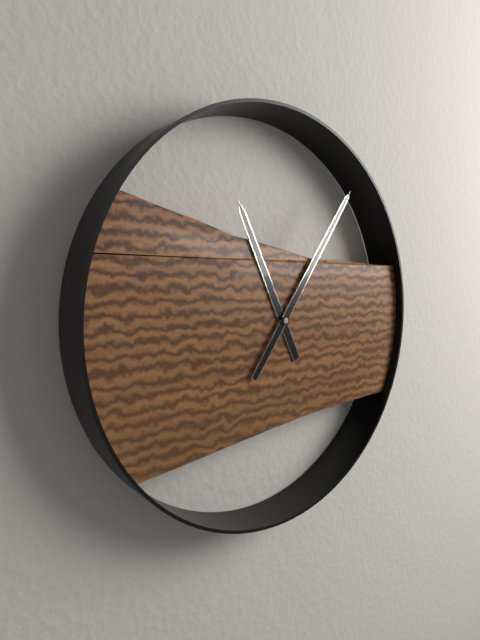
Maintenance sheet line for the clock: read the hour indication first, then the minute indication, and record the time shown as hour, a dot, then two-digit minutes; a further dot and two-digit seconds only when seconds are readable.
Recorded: 11.06
